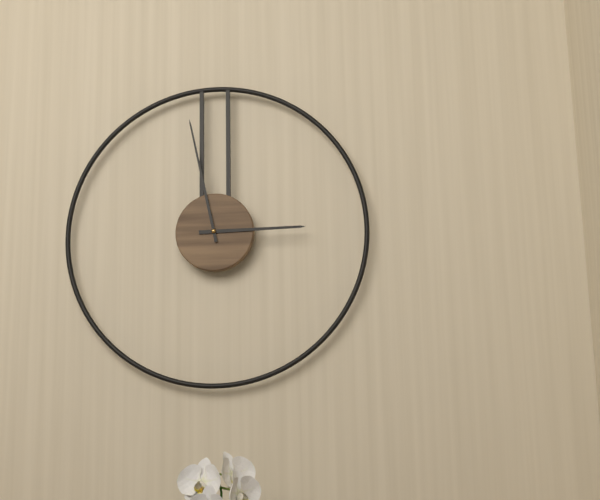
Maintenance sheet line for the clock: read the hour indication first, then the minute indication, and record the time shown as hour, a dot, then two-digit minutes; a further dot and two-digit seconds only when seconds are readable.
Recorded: 2.58
